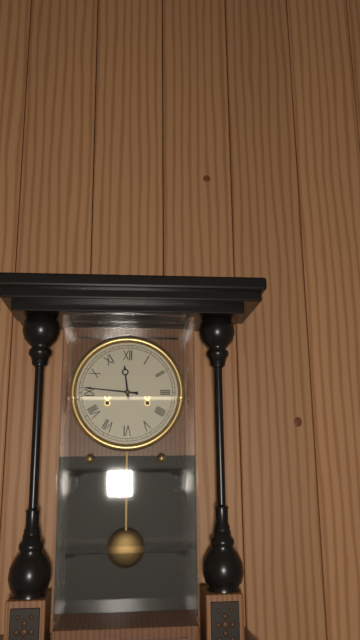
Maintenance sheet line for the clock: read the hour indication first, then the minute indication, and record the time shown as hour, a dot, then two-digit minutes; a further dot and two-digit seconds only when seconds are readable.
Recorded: 11.46
